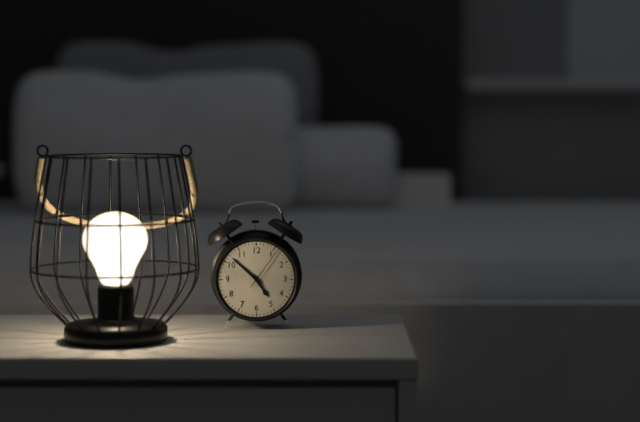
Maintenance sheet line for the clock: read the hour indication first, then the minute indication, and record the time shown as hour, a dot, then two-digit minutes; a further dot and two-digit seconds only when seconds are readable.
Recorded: 4.52
